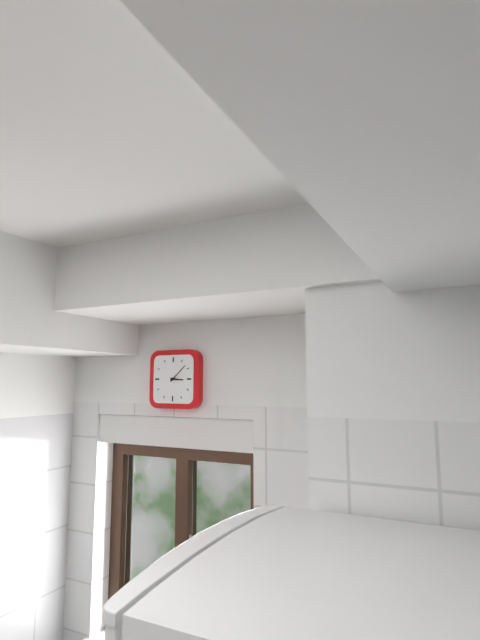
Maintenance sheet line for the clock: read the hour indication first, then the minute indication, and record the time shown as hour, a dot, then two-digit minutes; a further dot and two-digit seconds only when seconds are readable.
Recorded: 3.08
